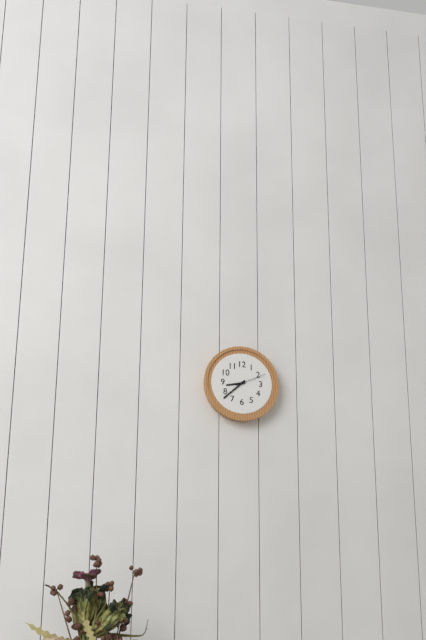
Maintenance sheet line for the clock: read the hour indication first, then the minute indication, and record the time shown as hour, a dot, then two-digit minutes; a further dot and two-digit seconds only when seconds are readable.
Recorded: 8.38
